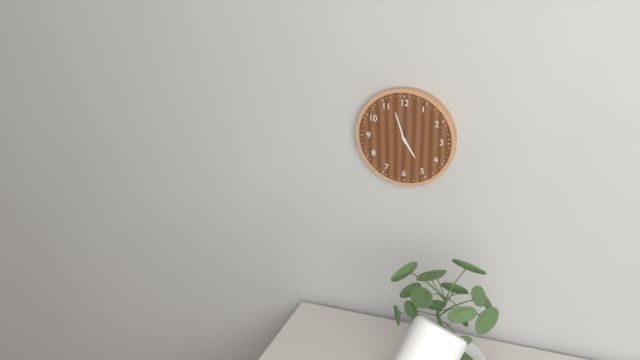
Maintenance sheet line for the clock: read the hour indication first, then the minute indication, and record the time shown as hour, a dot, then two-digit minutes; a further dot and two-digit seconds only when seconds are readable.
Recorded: 4.57
